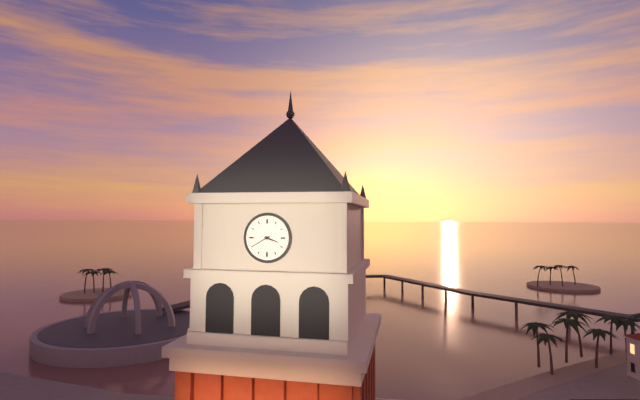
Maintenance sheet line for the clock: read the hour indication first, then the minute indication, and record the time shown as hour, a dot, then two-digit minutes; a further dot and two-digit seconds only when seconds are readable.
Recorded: 3.40
